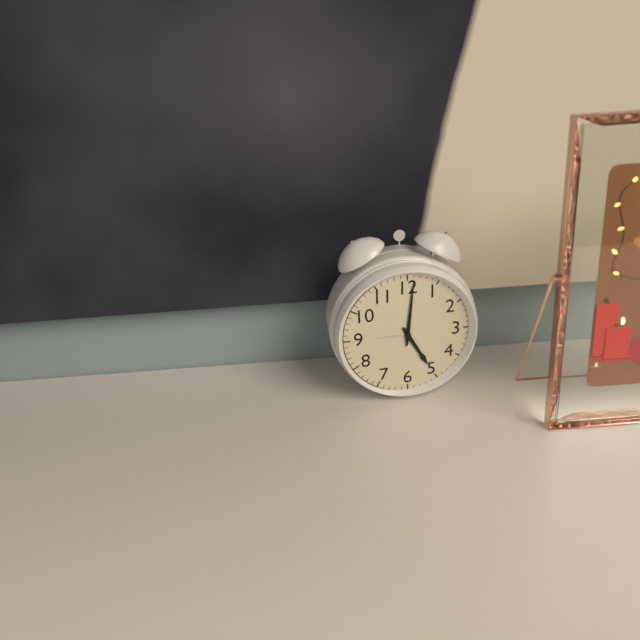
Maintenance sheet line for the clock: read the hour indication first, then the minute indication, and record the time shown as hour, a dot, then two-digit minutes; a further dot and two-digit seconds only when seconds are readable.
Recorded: 5.01
